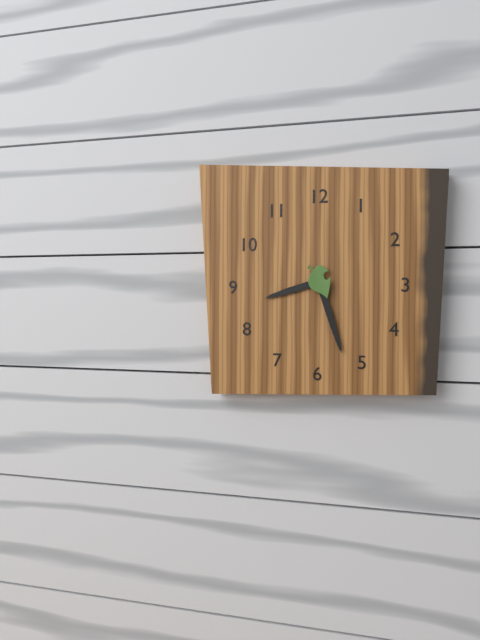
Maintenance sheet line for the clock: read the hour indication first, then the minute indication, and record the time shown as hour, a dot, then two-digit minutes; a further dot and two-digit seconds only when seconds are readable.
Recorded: 8.27
